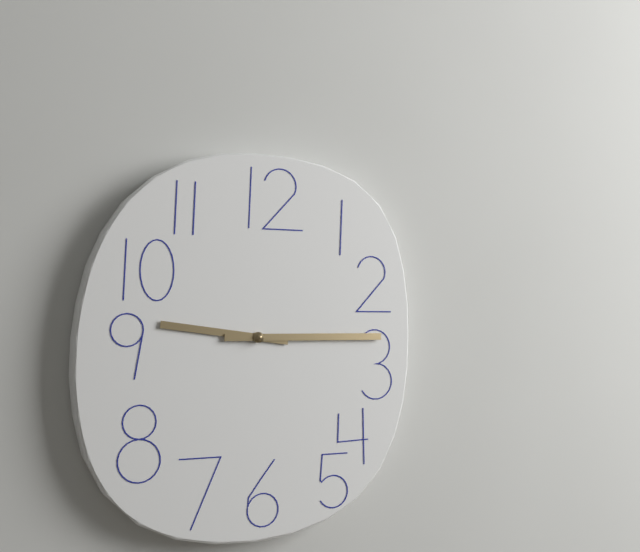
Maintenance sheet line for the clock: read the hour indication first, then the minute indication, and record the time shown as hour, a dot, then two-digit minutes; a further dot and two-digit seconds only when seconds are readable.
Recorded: 9.15
